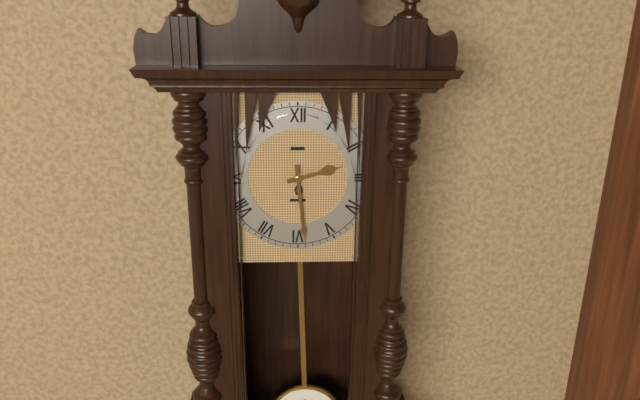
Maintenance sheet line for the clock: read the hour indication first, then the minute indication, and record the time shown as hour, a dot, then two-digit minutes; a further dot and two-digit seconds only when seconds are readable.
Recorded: 2.29
